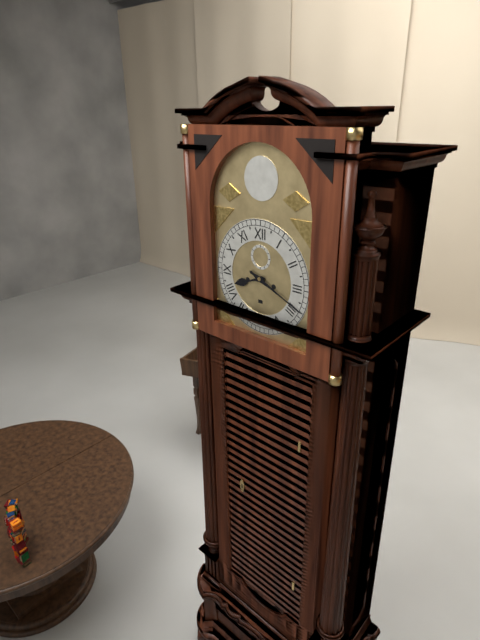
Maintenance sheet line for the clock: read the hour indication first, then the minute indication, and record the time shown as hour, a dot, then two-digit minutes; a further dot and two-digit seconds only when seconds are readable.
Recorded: 8.19
